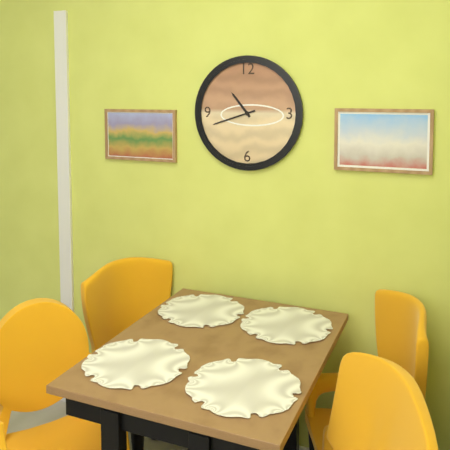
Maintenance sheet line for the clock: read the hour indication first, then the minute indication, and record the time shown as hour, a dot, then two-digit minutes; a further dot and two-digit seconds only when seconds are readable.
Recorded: 10.42
